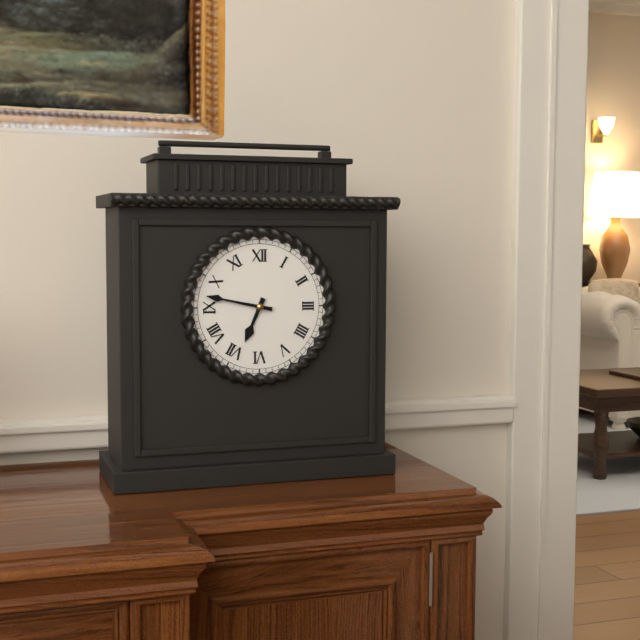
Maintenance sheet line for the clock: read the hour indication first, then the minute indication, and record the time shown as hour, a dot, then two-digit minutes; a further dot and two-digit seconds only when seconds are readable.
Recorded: 6.47
